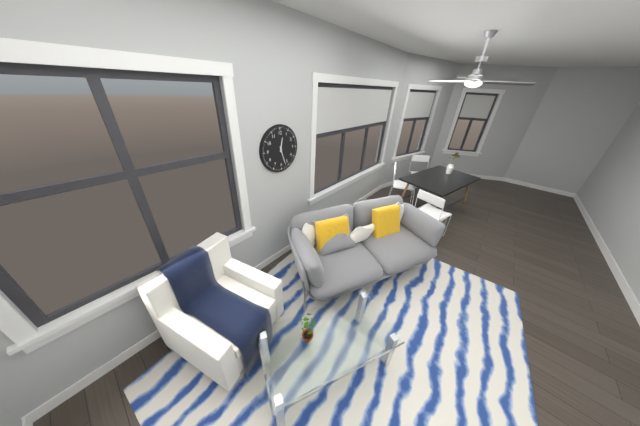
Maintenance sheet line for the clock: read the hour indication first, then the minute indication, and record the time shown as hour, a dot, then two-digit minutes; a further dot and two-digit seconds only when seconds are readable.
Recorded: 12.27
